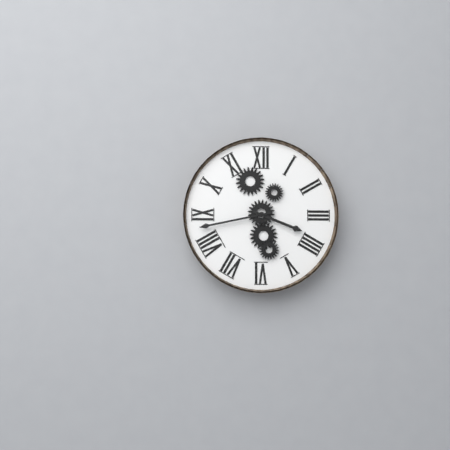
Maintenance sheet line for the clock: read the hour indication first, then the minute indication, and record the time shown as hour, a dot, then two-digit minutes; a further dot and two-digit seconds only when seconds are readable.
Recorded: 3.43
